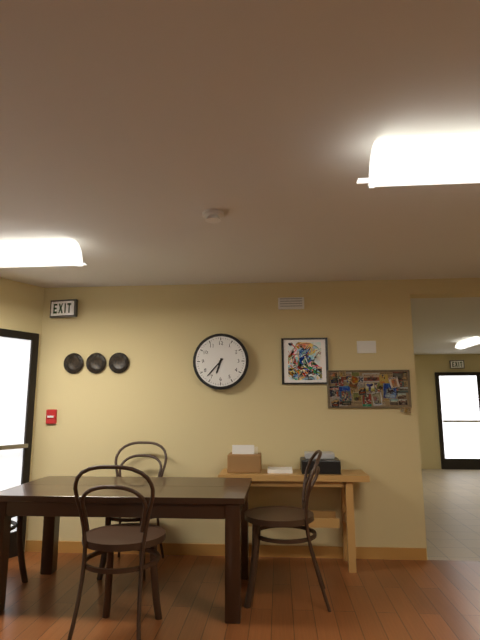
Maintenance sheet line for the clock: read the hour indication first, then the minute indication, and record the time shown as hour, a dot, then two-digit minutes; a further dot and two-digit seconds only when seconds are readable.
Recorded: 6.37
